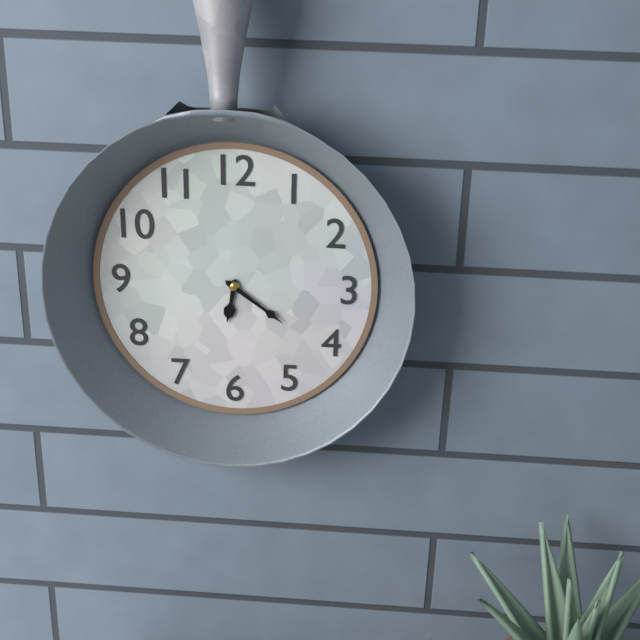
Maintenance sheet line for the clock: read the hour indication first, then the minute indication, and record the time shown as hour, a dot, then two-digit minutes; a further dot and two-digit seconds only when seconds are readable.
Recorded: 6.21
